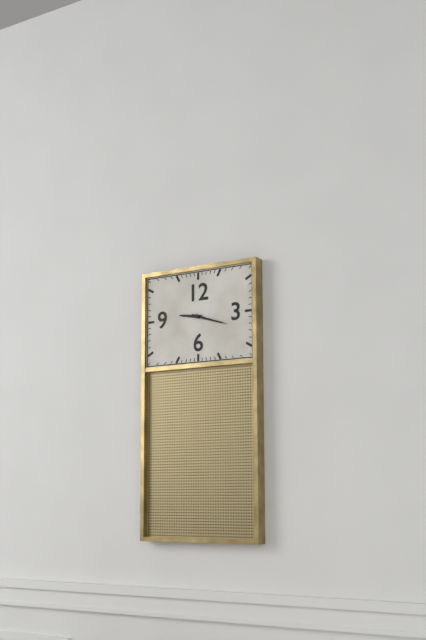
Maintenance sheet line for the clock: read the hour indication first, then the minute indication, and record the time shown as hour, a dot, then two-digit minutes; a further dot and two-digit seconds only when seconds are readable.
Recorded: 9.18
